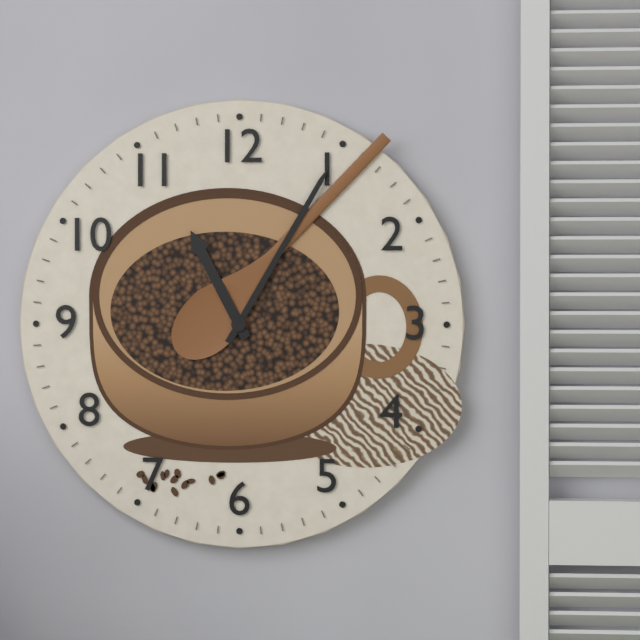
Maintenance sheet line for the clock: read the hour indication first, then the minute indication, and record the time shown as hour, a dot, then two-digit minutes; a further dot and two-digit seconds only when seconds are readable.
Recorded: 11.05
